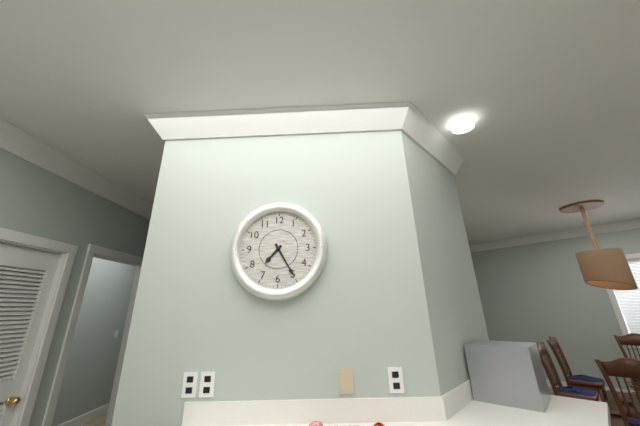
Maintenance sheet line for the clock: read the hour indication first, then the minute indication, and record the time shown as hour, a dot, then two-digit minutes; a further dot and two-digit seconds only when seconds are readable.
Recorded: 7.25
